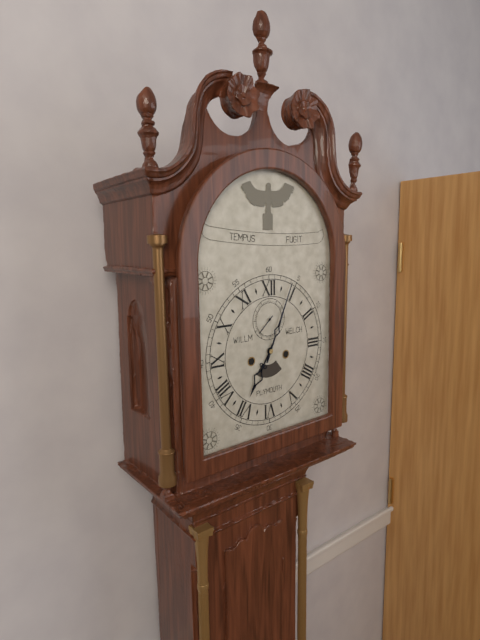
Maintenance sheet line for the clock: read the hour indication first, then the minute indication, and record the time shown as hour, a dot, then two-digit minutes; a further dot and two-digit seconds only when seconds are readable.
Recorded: 7.04
